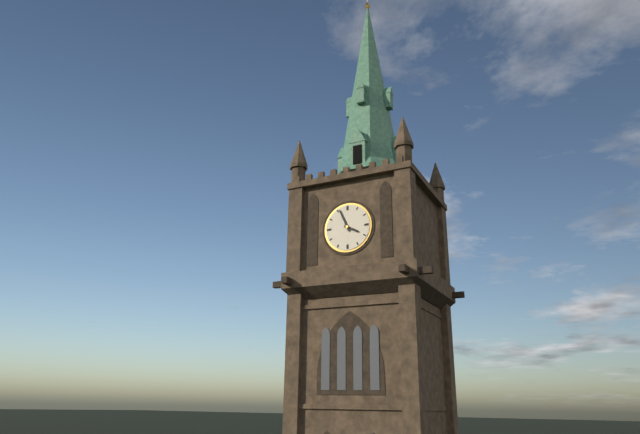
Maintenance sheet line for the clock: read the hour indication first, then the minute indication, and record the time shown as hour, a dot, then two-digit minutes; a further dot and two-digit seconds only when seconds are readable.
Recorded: 3.56
